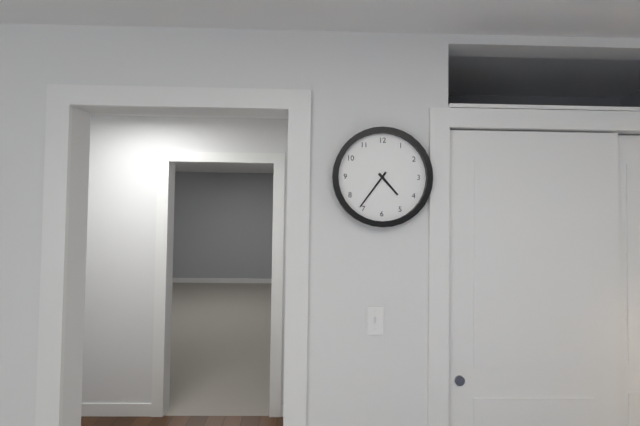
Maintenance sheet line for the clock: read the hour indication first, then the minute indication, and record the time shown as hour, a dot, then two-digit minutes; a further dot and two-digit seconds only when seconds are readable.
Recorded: 4.36
